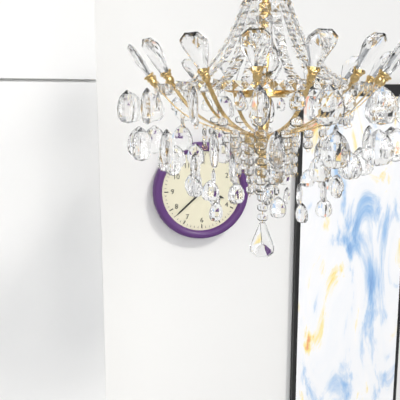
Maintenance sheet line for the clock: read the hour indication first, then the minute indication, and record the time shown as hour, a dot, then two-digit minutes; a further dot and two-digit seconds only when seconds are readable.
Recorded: 3.38
